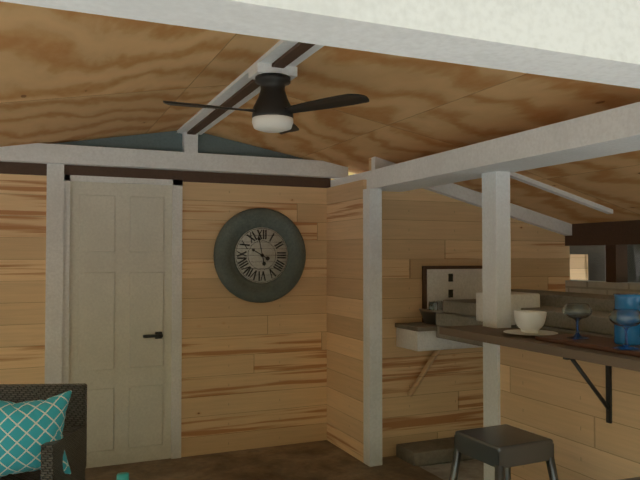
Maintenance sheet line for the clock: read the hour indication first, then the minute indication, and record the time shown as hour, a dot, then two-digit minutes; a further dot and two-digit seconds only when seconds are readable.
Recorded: 9.58
